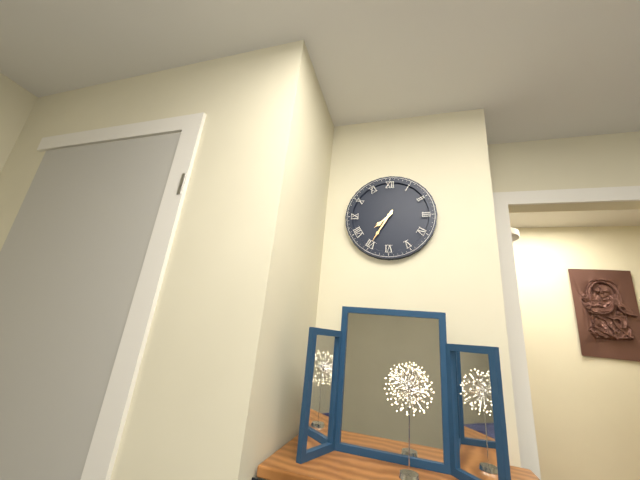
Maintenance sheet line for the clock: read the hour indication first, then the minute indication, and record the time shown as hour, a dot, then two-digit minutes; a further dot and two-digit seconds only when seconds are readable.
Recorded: 7.35
